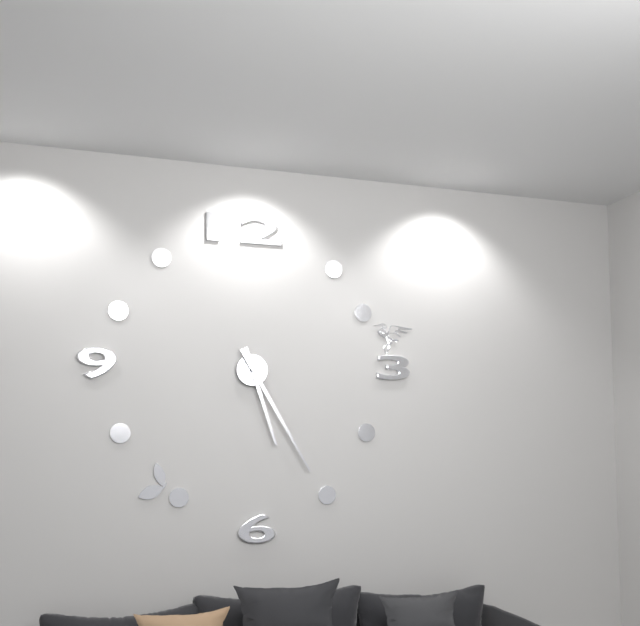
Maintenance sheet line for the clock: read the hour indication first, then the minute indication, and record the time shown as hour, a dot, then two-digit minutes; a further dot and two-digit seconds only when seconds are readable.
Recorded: 5.25
